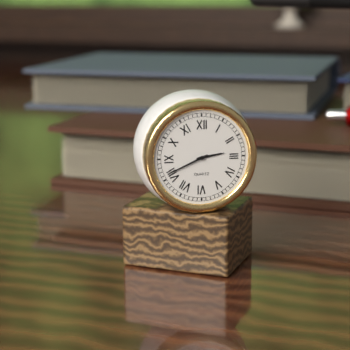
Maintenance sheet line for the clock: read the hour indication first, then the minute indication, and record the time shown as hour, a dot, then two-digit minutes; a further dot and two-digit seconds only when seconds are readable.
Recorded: 2.41
